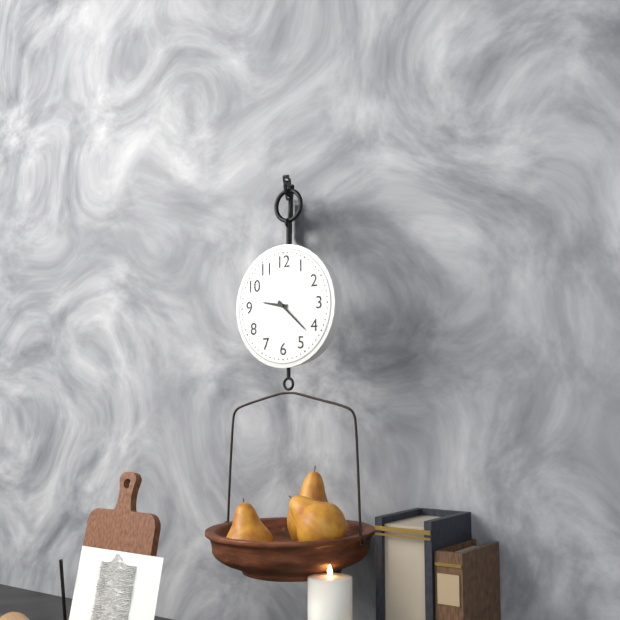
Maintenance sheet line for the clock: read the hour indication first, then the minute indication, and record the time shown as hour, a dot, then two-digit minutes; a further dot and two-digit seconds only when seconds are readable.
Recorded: 9.22
